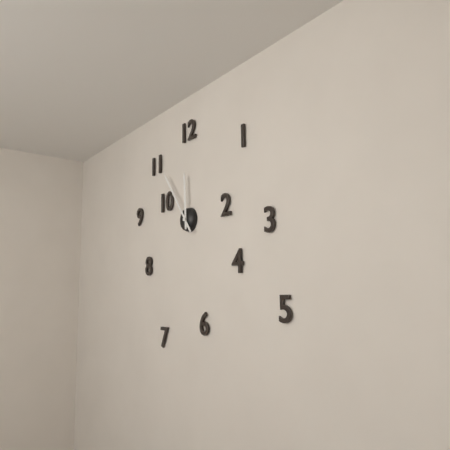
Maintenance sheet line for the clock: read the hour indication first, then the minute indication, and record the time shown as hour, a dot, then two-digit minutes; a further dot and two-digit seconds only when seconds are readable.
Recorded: 11.54
